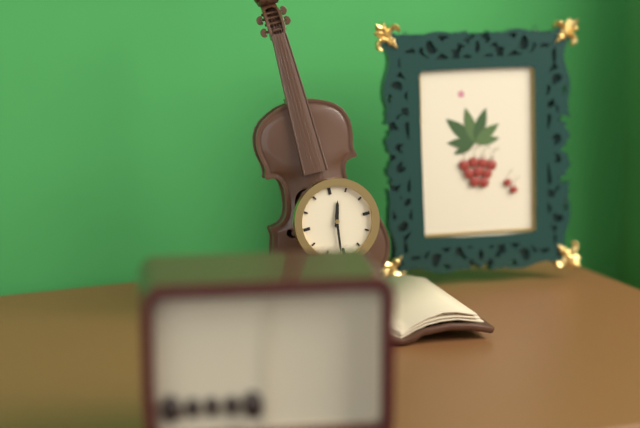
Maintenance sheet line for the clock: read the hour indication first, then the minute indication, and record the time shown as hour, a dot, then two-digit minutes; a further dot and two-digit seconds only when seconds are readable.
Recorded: 12.31
